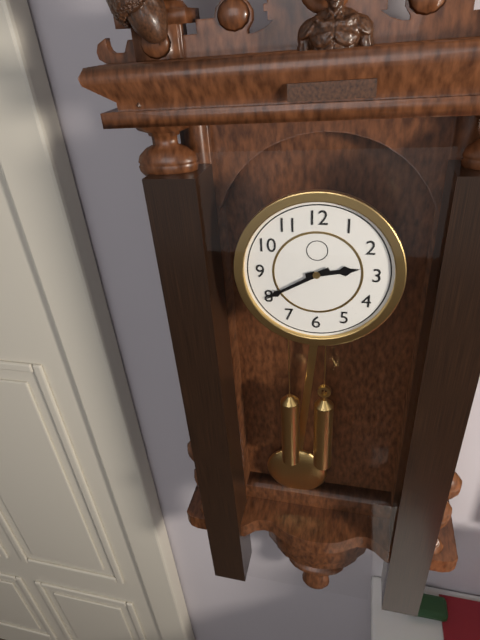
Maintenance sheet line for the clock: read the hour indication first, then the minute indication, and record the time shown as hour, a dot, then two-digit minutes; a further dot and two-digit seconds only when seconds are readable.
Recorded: 2.40
